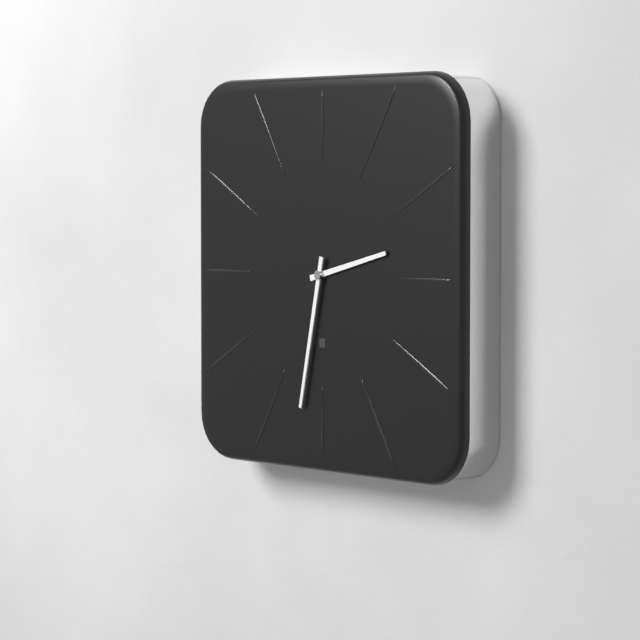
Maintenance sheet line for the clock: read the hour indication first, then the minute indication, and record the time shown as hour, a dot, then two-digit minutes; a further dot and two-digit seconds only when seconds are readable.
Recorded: 2.32
